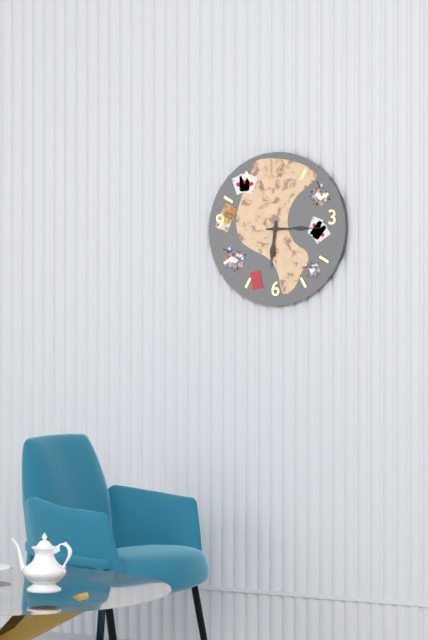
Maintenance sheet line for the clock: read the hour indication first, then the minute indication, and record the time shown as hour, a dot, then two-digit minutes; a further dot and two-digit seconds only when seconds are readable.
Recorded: 6.15
